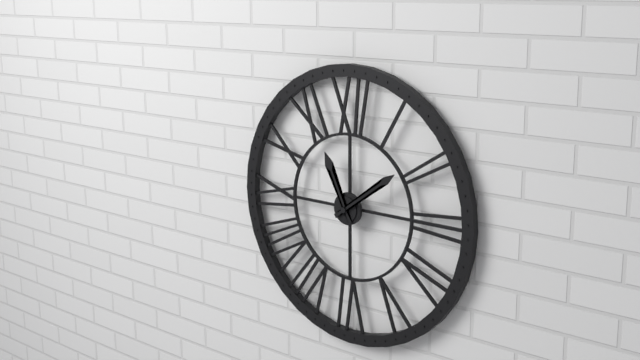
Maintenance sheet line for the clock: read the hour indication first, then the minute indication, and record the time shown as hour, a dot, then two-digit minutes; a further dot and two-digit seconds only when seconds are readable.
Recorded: 11.09
